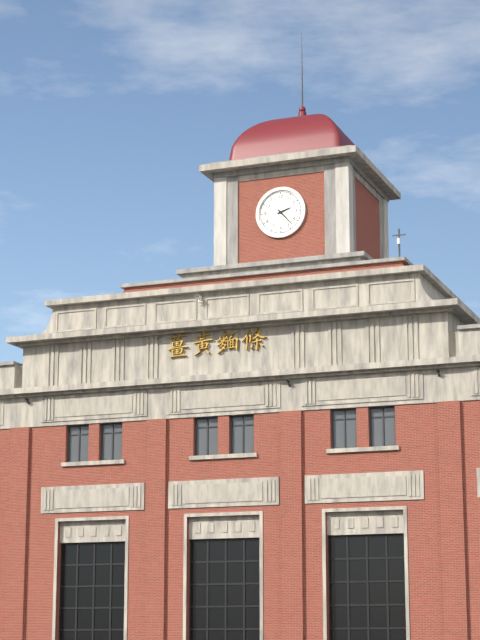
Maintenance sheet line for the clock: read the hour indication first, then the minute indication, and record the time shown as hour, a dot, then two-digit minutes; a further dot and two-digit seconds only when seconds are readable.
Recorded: 2.23
